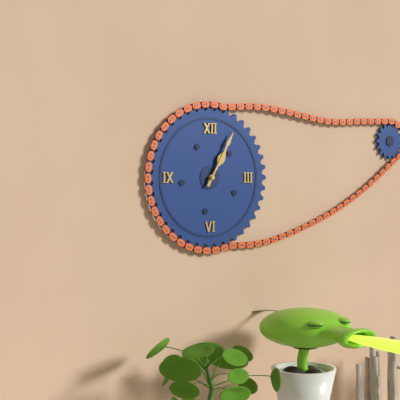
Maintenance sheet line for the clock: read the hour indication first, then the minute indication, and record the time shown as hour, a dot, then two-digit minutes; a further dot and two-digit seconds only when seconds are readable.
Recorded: 1.05
